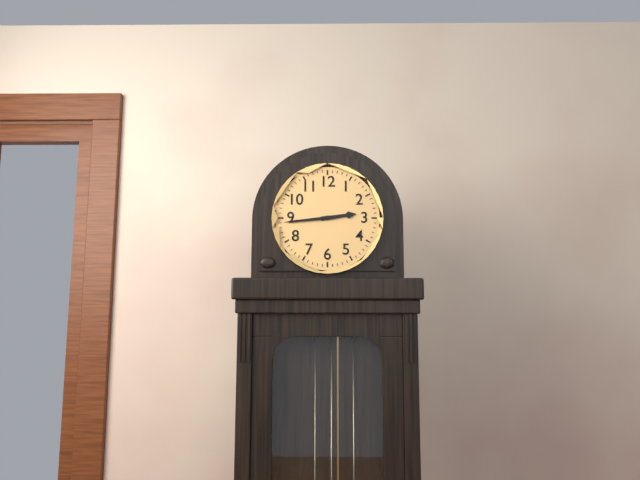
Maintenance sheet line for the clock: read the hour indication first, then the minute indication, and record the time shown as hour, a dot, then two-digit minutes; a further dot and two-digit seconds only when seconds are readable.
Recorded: 2.44
